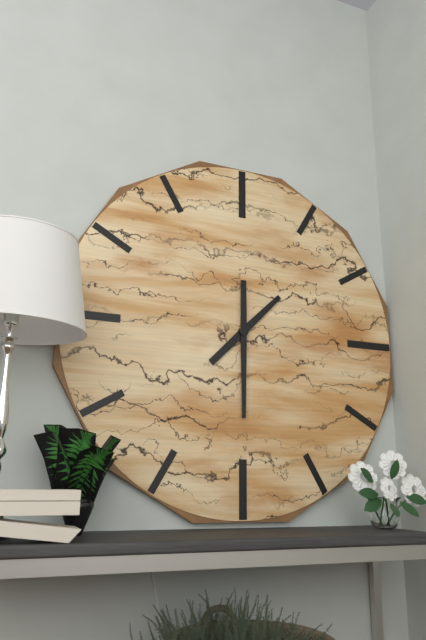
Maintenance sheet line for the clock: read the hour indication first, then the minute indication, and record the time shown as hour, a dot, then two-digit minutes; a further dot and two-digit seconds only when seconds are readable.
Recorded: 1.30
